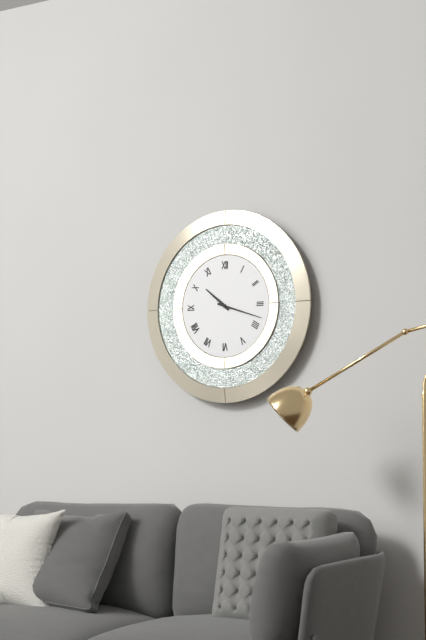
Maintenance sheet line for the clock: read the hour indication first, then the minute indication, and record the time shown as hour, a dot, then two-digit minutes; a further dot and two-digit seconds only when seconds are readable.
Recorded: 10.18
